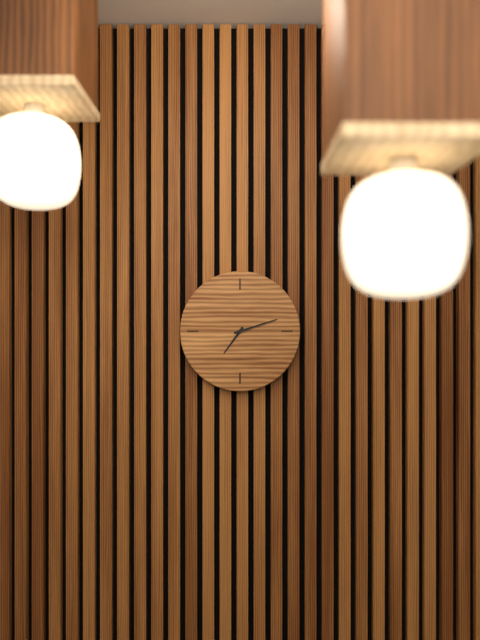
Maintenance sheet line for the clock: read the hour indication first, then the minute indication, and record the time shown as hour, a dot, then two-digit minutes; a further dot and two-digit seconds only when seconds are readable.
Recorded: 7.12
